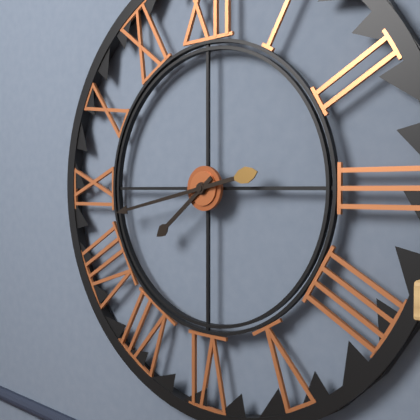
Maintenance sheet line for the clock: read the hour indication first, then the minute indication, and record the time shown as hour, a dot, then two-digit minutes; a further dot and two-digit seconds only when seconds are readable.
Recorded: 7.43
